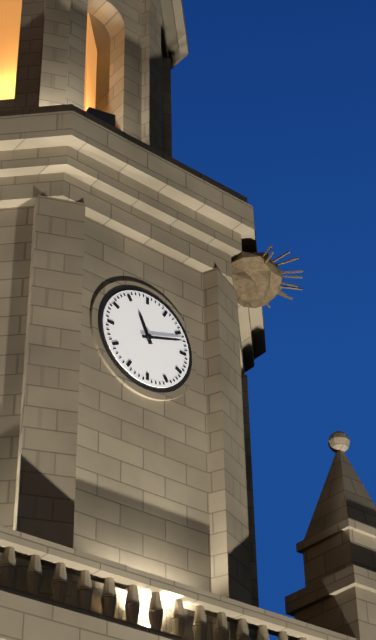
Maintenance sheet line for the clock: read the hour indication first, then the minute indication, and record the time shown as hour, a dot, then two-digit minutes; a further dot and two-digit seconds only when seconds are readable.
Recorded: 11.12
